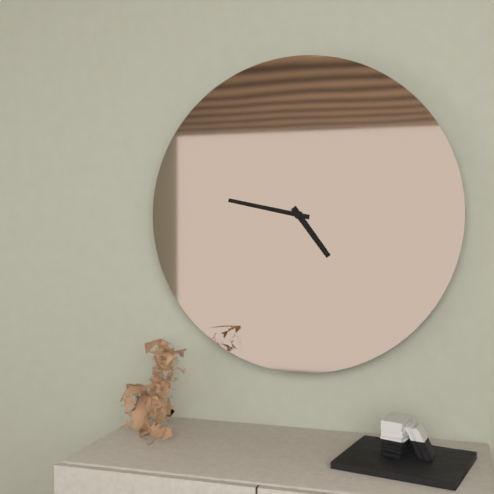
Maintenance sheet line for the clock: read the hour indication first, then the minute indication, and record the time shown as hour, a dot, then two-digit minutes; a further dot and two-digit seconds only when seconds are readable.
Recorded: 4.47
